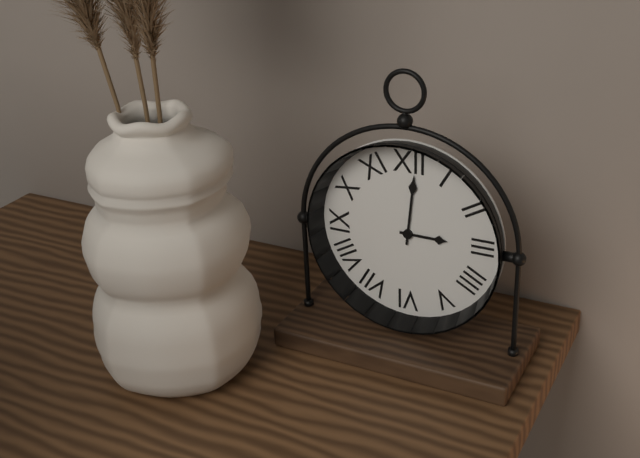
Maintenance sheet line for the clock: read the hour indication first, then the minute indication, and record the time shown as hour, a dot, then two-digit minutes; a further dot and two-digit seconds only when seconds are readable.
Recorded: 3.01
